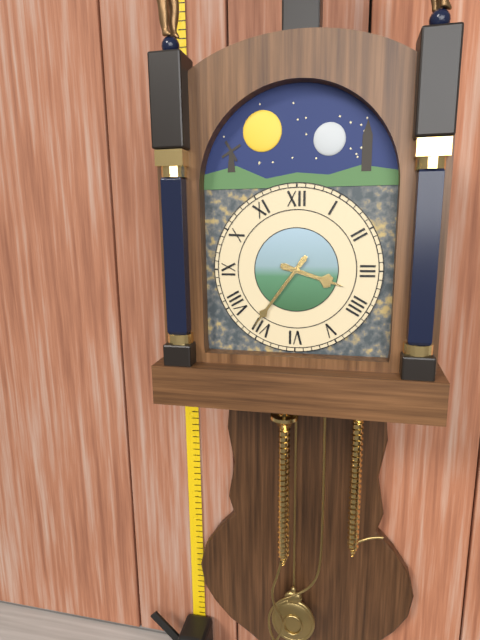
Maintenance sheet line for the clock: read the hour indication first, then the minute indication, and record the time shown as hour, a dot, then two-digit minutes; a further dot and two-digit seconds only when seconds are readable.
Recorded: 3.36
